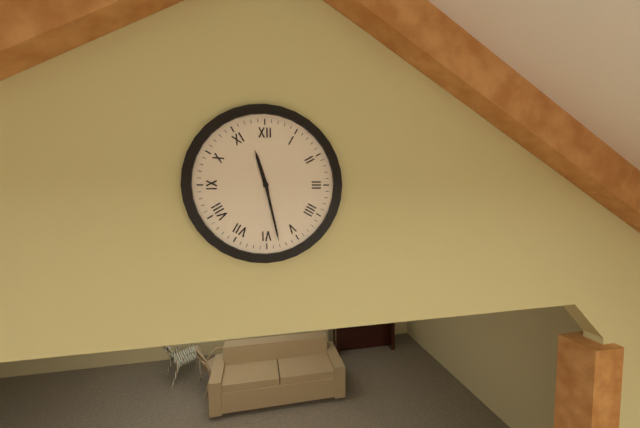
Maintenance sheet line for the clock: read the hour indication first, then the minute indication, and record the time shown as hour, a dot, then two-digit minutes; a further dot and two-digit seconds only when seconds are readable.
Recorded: 11.28
